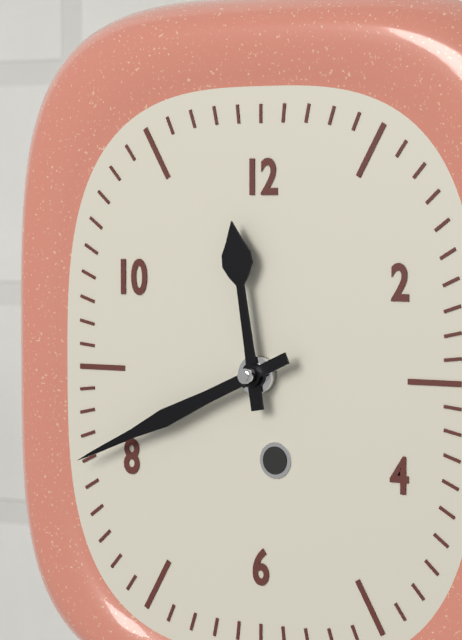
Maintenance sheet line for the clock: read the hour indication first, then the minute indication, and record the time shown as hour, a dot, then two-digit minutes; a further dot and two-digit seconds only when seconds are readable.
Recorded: 11.41
